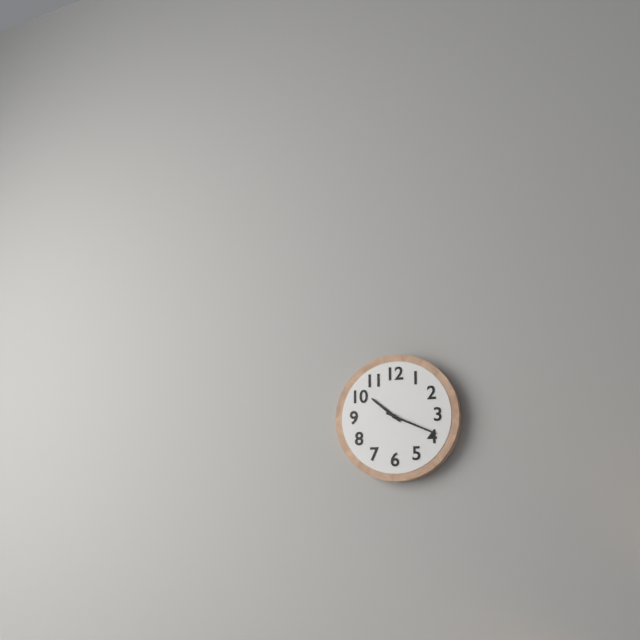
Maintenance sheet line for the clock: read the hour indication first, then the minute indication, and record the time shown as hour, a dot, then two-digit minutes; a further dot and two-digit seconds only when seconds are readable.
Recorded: 10.19
